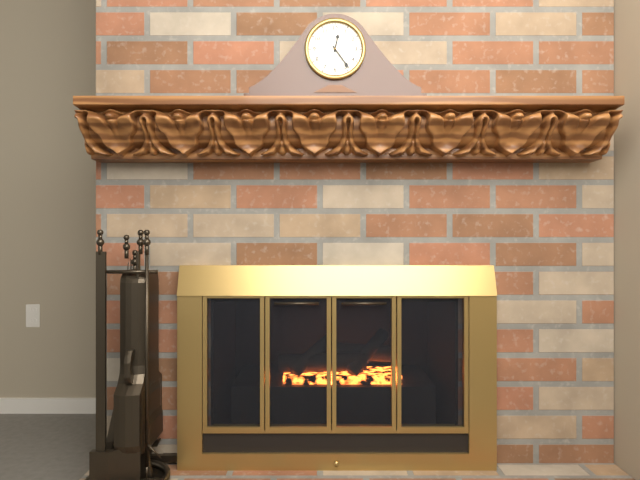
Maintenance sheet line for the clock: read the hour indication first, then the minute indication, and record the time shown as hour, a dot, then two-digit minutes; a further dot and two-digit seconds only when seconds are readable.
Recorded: 12.24
